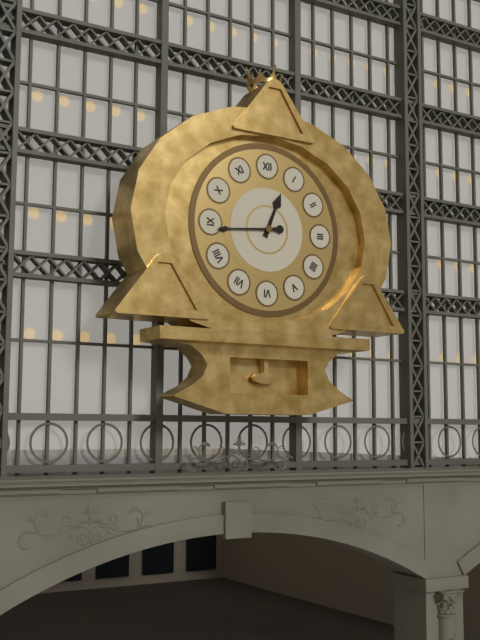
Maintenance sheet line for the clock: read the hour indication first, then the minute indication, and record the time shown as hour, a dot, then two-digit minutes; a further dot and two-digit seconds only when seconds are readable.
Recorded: 12.44
